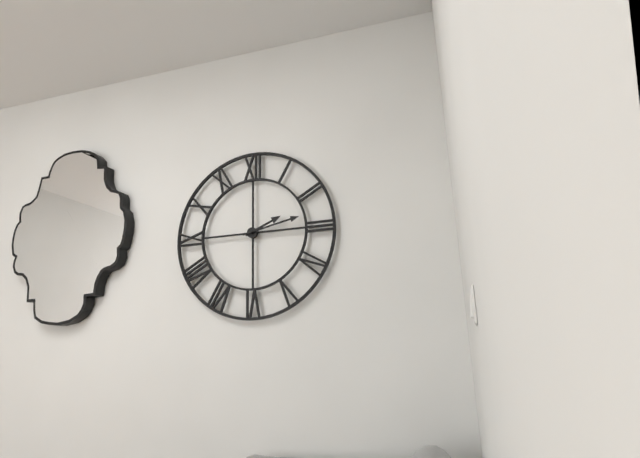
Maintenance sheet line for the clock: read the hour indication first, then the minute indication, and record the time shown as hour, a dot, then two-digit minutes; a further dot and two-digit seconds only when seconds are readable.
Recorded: 2.13
